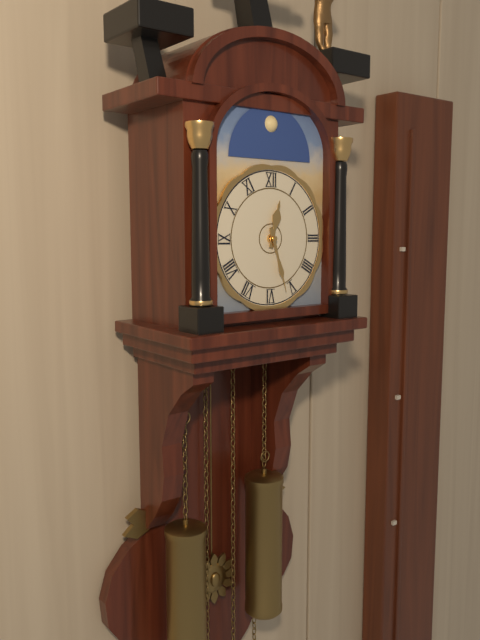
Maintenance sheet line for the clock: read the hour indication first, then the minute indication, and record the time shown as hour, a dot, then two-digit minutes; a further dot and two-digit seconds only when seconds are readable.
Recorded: 12.27
